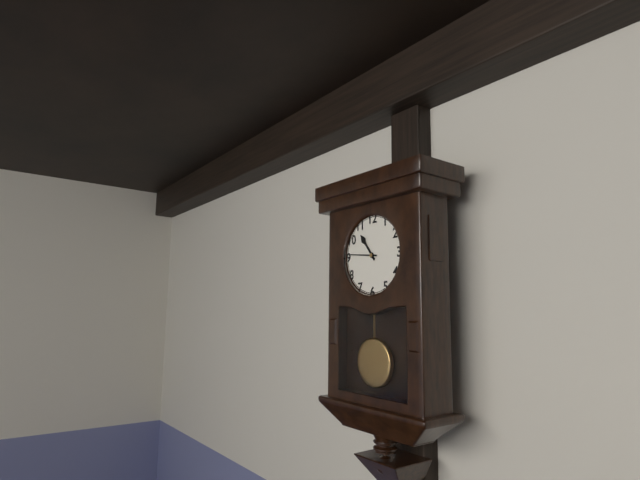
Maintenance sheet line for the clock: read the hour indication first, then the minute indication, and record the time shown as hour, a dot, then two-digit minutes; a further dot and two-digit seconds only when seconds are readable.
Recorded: 10.46
